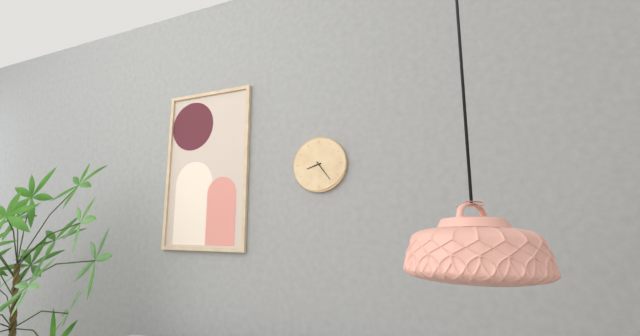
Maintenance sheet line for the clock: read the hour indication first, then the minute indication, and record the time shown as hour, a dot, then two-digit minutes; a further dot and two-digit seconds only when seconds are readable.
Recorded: 8.24
